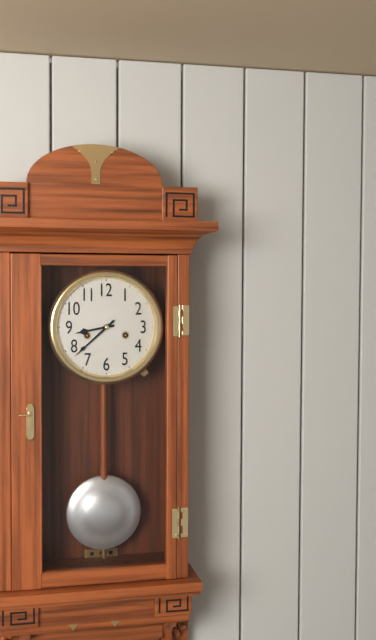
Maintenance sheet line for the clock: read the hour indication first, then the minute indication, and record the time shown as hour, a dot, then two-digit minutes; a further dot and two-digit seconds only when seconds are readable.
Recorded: 8.38
